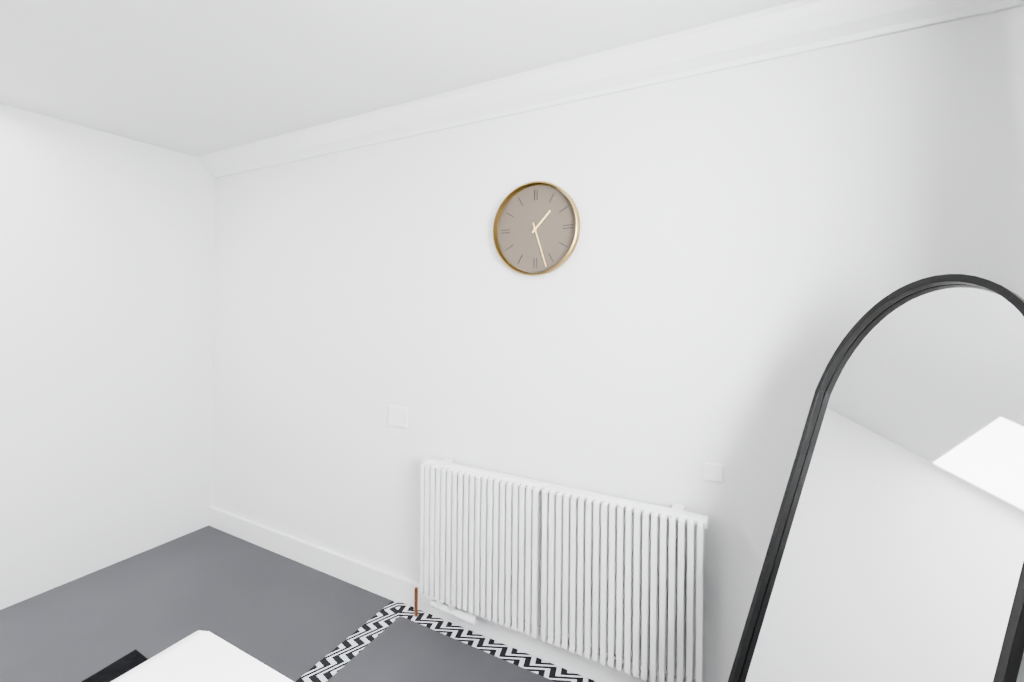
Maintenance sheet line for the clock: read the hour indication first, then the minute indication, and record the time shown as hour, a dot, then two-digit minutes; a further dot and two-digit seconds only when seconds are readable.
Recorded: 1.27
